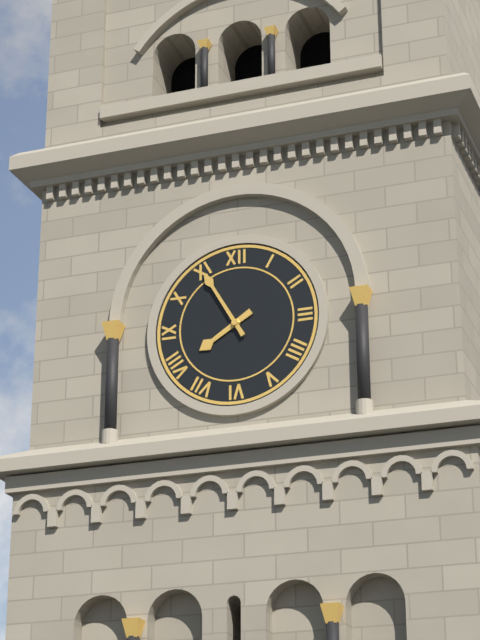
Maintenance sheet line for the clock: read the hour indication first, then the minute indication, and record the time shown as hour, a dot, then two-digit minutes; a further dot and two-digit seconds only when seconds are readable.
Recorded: 7.55
